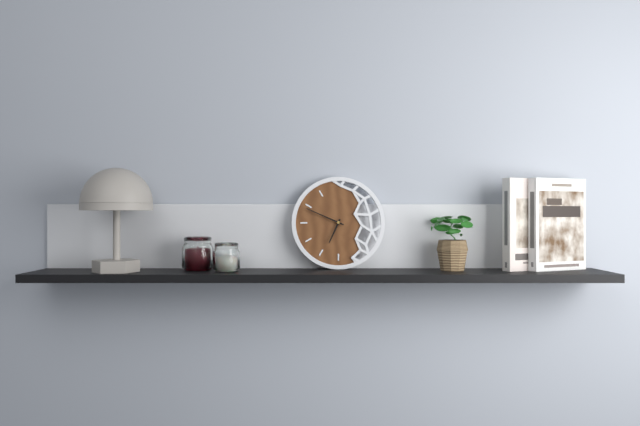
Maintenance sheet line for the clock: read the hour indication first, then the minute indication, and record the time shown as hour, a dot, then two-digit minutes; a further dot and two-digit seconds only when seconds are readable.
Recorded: 6.49
